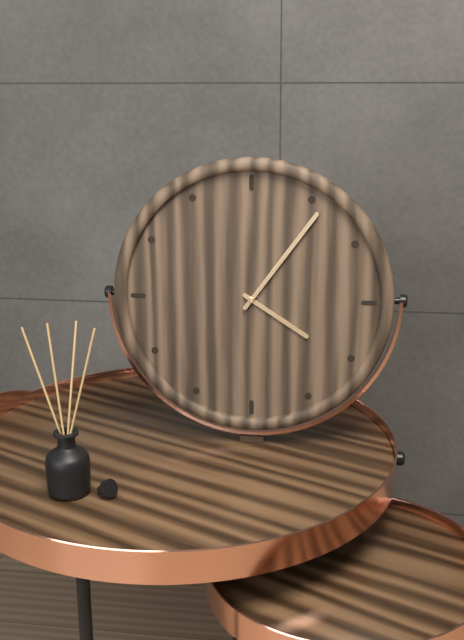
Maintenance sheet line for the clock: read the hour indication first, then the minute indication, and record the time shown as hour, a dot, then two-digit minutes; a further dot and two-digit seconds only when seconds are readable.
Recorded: 4.06
